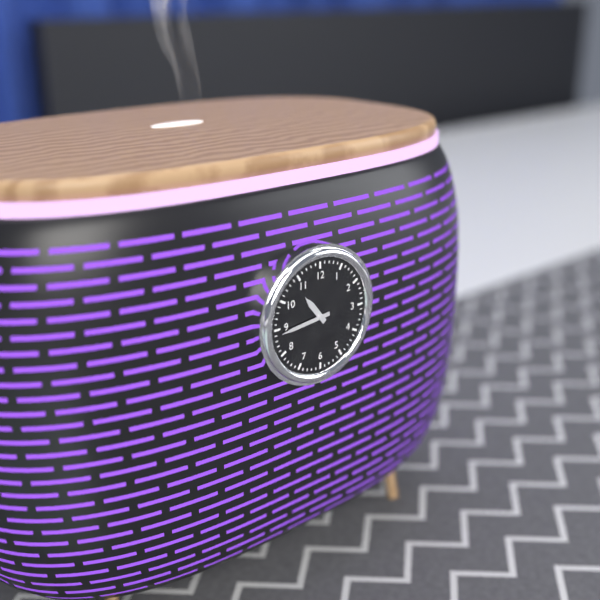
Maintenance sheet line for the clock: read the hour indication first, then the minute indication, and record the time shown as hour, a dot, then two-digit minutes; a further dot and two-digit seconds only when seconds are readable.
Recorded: 10.44
